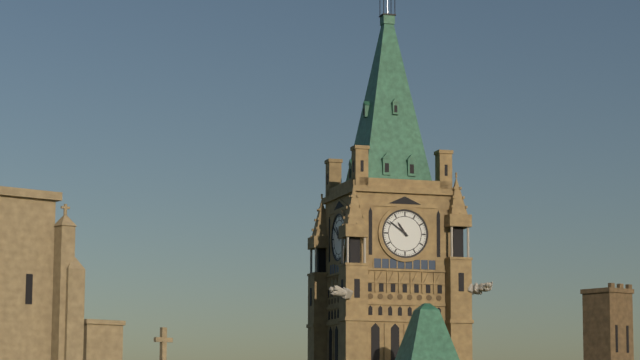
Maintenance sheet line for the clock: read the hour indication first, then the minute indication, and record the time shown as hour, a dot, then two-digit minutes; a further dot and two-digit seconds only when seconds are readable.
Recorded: 10.51
